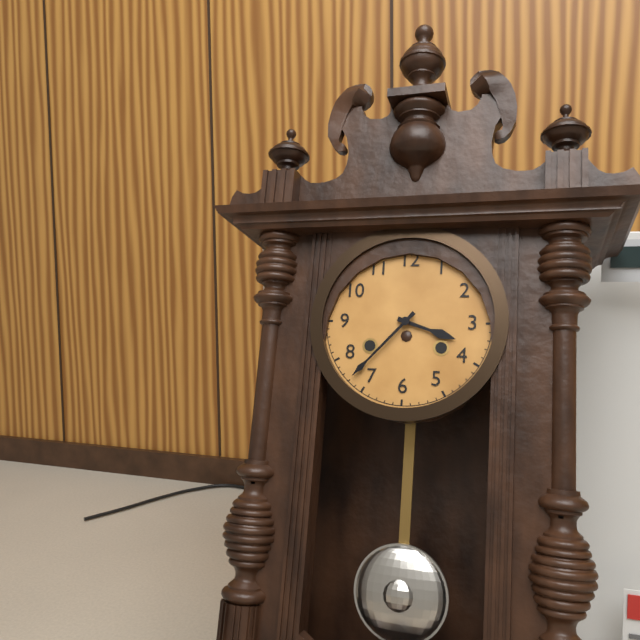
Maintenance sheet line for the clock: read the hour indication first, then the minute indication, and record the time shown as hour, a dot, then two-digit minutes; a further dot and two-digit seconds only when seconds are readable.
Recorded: 3.37
